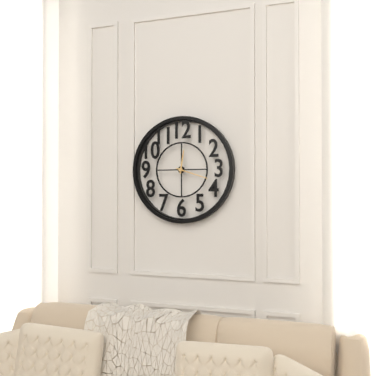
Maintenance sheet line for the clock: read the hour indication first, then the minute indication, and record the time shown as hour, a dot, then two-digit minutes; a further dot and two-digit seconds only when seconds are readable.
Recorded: 12.18
